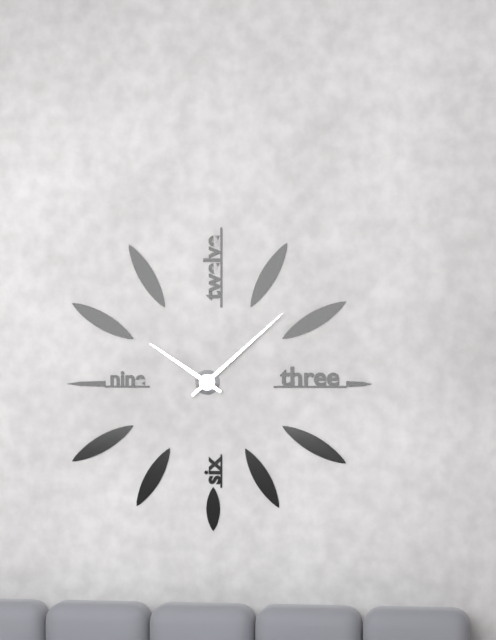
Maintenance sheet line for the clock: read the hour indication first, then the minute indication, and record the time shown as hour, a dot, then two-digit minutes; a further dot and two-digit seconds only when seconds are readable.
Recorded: 10.08
